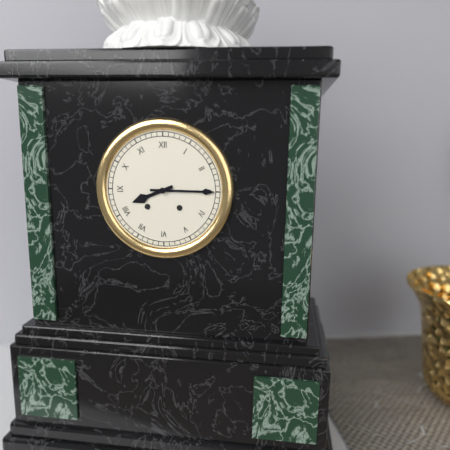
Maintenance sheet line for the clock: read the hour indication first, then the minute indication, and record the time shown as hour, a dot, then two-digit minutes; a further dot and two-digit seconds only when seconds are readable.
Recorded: 8.15
